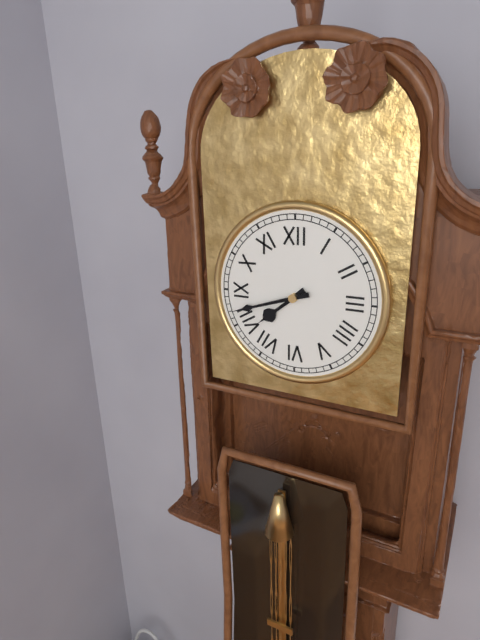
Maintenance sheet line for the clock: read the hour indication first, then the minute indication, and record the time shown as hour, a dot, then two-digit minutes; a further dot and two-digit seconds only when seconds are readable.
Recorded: 7.42
